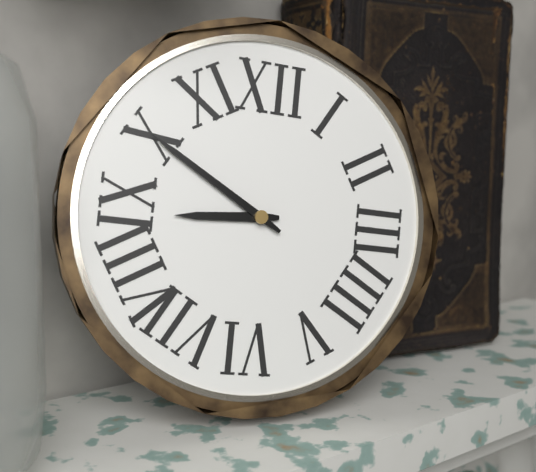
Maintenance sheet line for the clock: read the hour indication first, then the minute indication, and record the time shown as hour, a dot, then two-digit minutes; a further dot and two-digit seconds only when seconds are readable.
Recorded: 8.50
